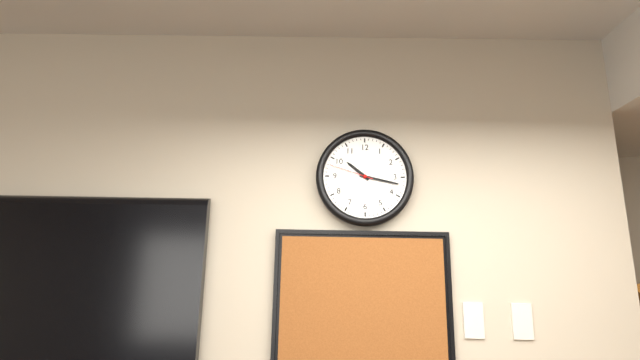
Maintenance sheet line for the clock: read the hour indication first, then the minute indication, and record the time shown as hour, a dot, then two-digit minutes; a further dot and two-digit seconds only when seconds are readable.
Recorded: 10.17
